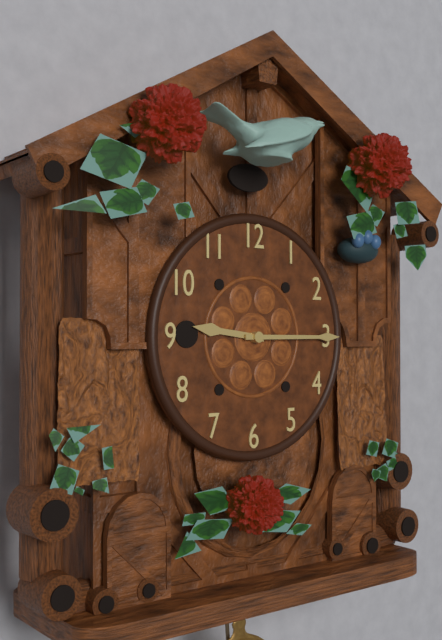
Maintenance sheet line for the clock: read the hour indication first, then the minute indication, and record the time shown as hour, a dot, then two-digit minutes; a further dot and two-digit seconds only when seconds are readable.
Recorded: 9.15
